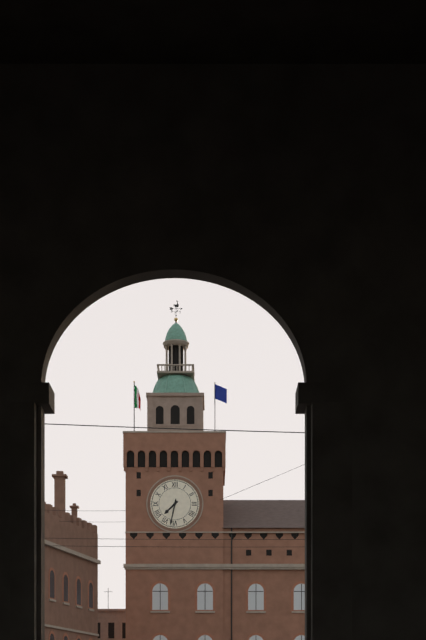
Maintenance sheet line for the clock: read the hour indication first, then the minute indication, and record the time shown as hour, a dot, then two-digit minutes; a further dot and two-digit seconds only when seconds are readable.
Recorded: 7.32
